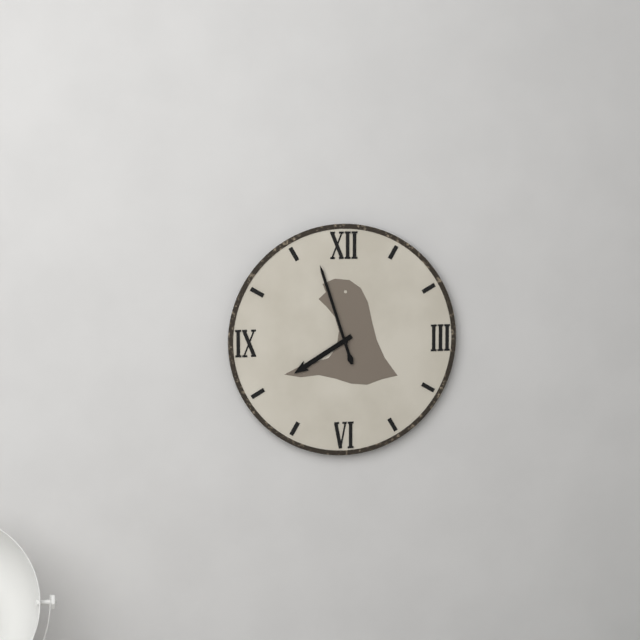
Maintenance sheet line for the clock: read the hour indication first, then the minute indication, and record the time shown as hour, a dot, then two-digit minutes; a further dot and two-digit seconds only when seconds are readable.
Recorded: 7.57
